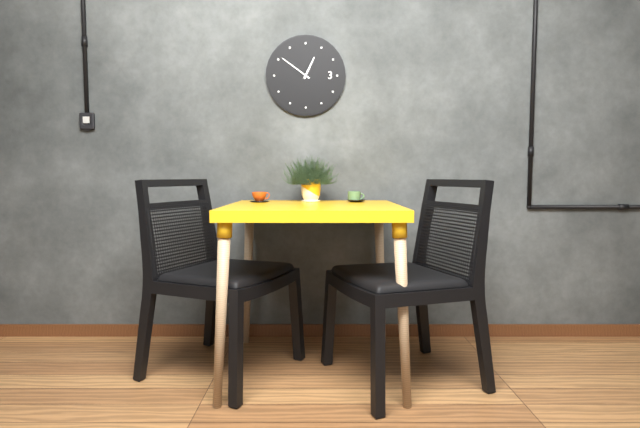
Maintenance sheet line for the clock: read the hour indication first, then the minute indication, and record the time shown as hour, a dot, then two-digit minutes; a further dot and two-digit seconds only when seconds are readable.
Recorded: 12.51
